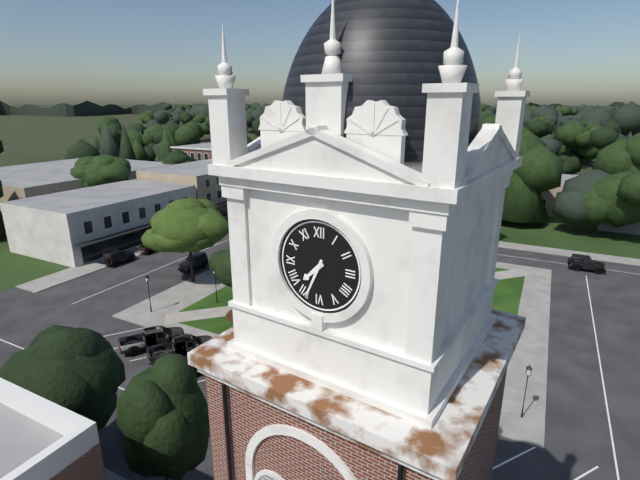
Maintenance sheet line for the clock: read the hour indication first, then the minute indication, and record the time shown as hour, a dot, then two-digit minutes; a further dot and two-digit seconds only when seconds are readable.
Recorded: 7.34
